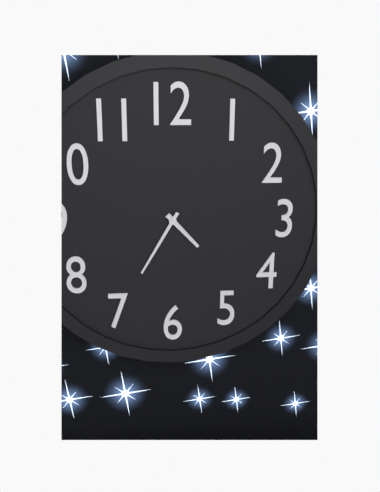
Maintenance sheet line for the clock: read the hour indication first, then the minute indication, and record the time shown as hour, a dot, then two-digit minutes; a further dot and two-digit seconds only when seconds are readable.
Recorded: 4.35
